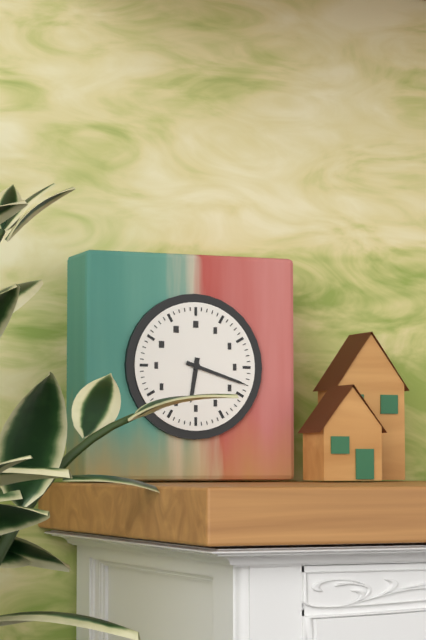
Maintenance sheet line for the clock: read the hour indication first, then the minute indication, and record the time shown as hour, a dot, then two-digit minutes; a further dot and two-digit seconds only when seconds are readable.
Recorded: 6.18
